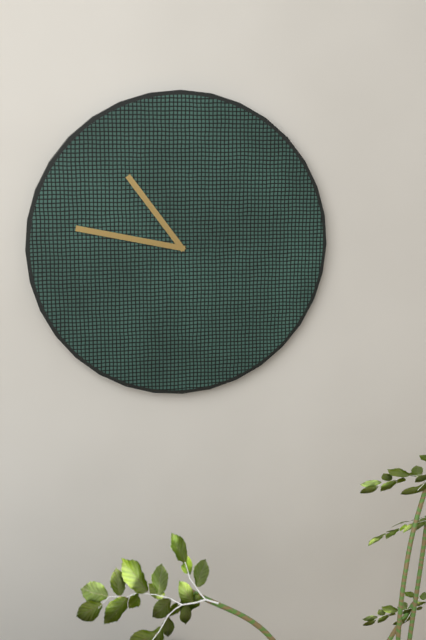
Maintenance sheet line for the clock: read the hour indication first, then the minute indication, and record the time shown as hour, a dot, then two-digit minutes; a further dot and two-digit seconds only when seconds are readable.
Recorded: 10.47
